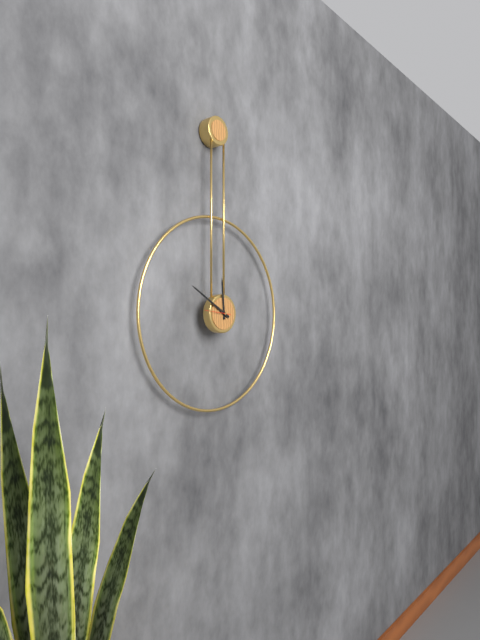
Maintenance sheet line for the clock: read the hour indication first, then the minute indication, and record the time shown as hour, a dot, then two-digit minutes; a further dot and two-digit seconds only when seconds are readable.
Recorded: 11.50
